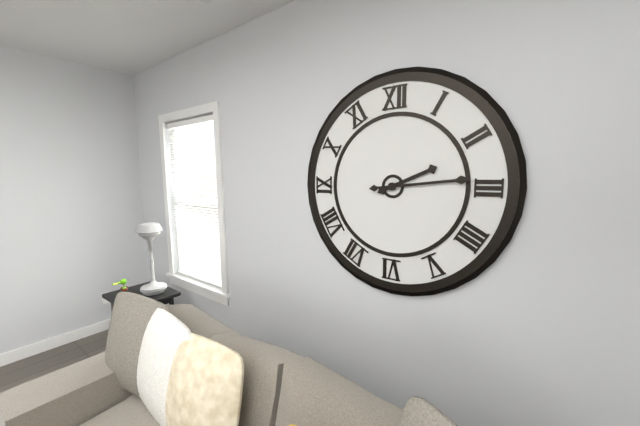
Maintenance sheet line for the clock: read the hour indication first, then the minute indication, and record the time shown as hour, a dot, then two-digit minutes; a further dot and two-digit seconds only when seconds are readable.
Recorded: 2.14
